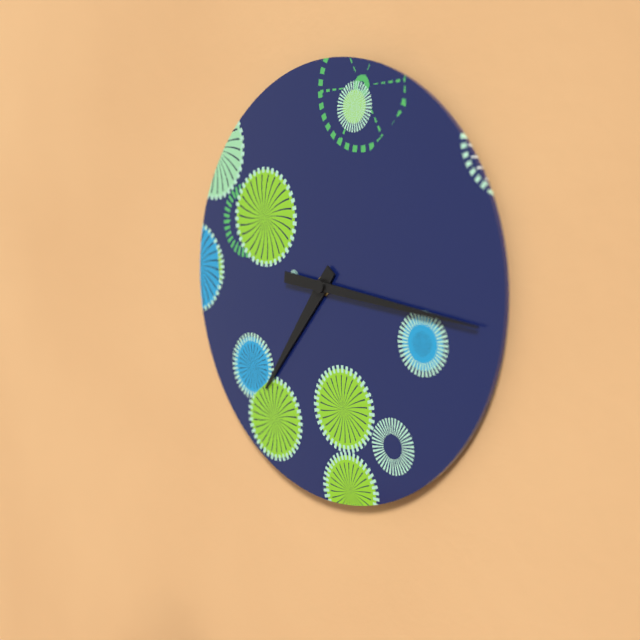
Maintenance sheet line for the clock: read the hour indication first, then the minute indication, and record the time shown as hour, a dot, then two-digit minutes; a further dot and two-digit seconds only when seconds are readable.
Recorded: 7.16
